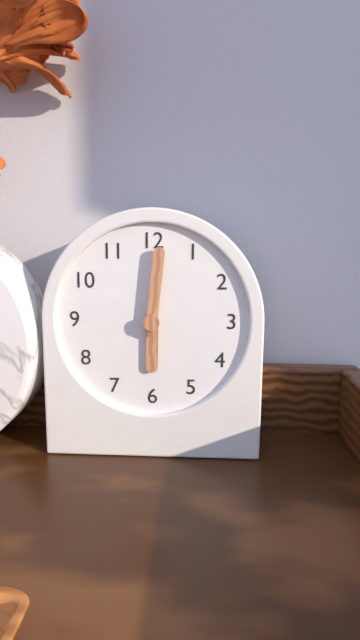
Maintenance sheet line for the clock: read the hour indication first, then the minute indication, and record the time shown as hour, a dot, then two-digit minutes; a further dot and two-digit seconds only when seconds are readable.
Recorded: 6.01
